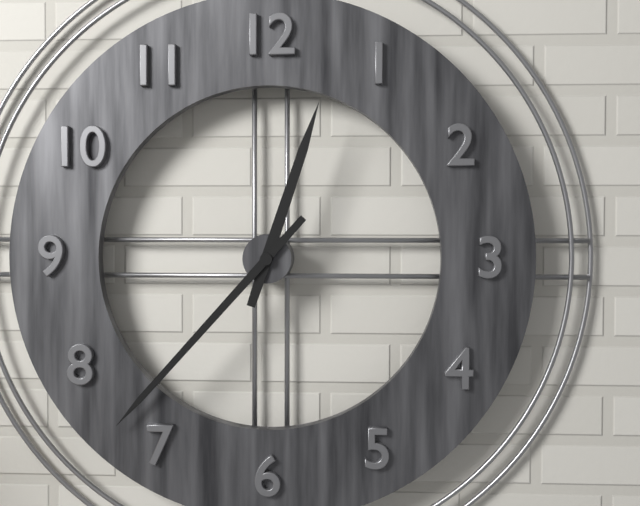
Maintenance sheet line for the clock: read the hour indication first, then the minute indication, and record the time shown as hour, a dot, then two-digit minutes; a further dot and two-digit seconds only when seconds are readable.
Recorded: 12.37
